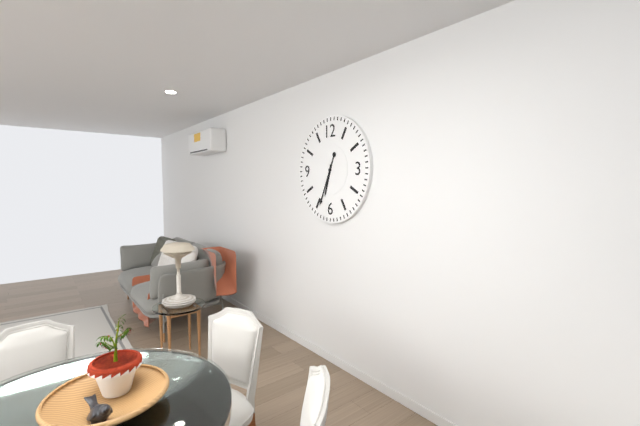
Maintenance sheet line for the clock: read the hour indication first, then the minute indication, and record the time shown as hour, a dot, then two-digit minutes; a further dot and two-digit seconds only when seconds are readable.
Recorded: 6.34
